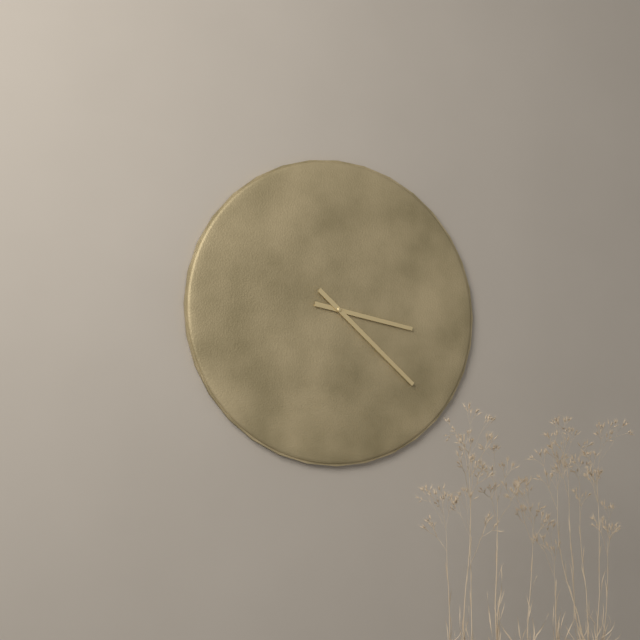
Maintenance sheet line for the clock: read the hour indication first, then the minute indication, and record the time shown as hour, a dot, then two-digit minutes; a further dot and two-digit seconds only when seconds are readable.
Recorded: 3.22
